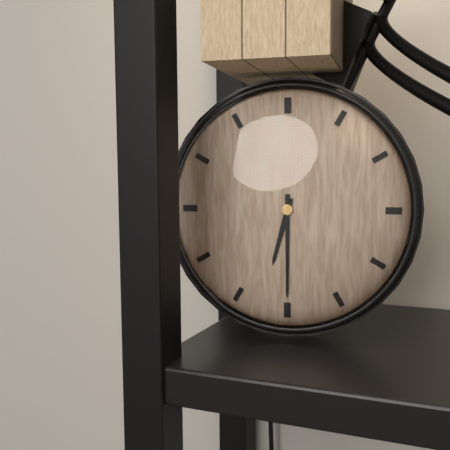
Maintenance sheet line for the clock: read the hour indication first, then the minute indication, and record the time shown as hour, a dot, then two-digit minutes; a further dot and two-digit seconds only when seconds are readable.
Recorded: 6.30
